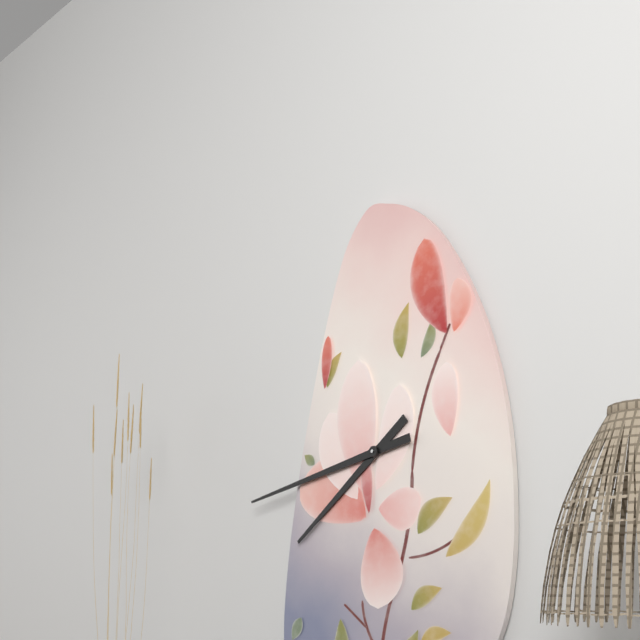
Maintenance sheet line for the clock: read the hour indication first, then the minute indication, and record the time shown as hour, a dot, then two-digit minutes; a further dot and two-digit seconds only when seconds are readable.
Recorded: 7.43
